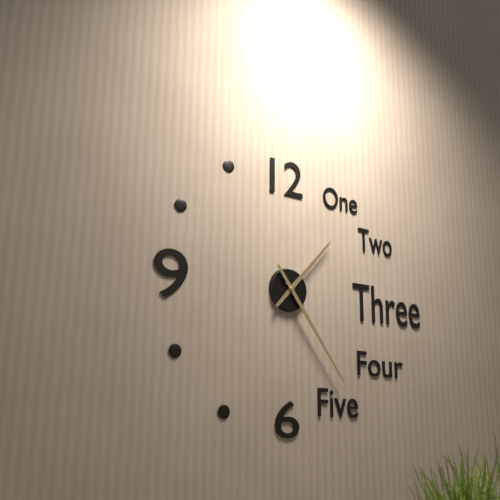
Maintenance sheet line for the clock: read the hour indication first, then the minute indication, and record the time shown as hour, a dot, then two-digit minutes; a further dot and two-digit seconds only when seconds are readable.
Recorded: 1.24
